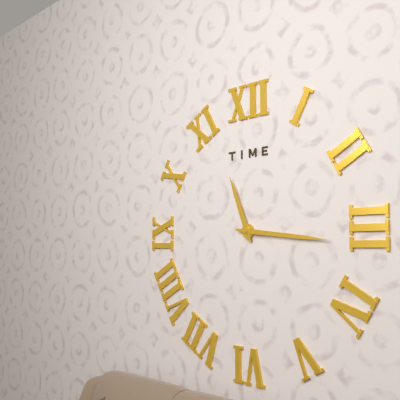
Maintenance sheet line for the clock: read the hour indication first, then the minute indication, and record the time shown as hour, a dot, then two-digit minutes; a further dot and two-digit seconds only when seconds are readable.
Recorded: 11.16
